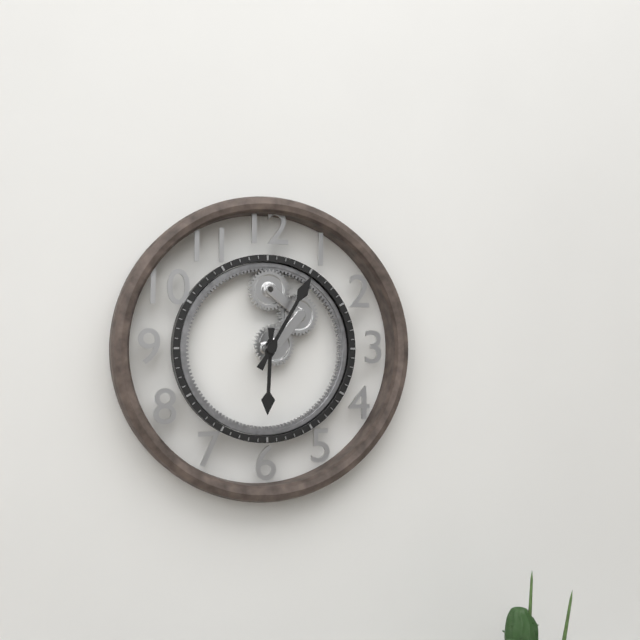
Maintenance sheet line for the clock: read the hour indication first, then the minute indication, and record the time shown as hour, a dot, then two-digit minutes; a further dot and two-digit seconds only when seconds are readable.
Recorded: 6.05
